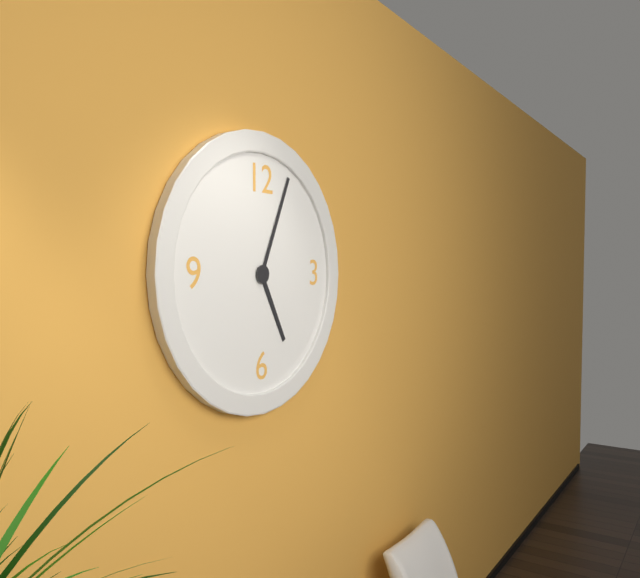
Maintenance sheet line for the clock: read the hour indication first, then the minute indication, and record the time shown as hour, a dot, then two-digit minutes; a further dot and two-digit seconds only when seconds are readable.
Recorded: 5.04
